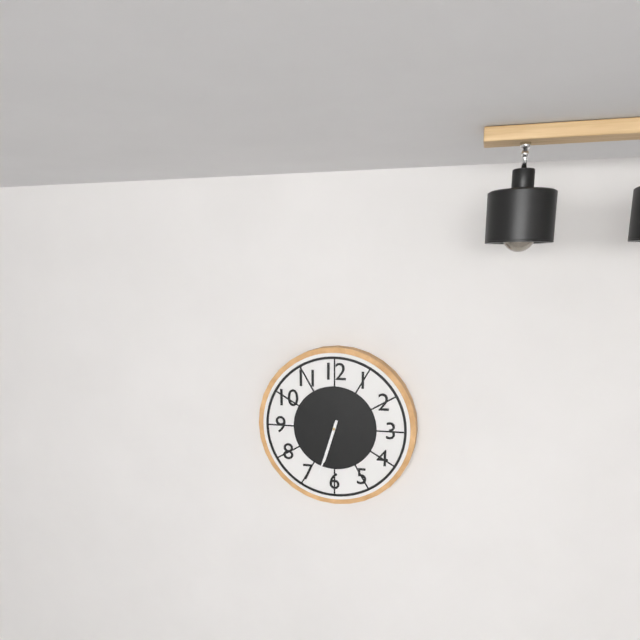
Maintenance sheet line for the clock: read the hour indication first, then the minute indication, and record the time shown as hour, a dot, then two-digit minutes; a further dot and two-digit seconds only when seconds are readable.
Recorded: 6.33
